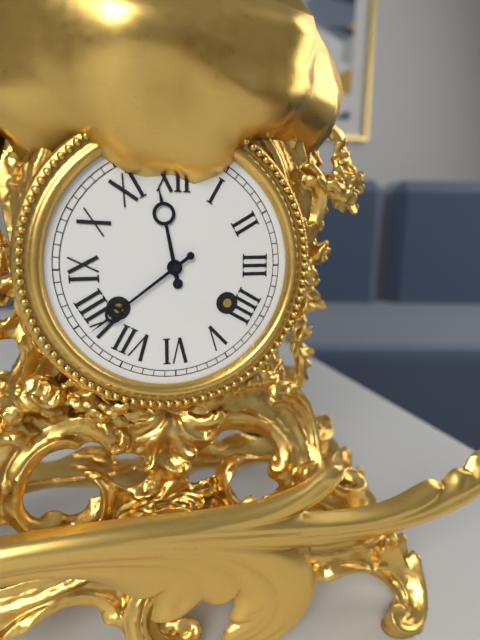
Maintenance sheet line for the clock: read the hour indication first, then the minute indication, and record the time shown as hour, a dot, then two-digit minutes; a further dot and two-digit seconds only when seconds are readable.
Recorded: 11.39
